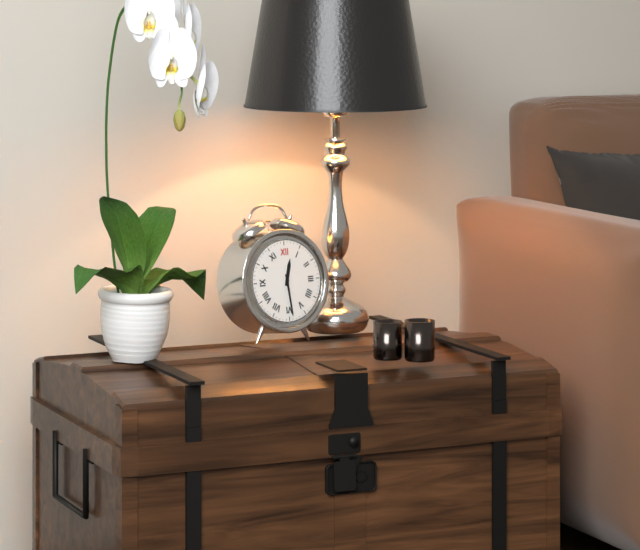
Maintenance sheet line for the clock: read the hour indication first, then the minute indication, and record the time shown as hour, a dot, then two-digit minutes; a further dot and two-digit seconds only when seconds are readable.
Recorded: 12.29
